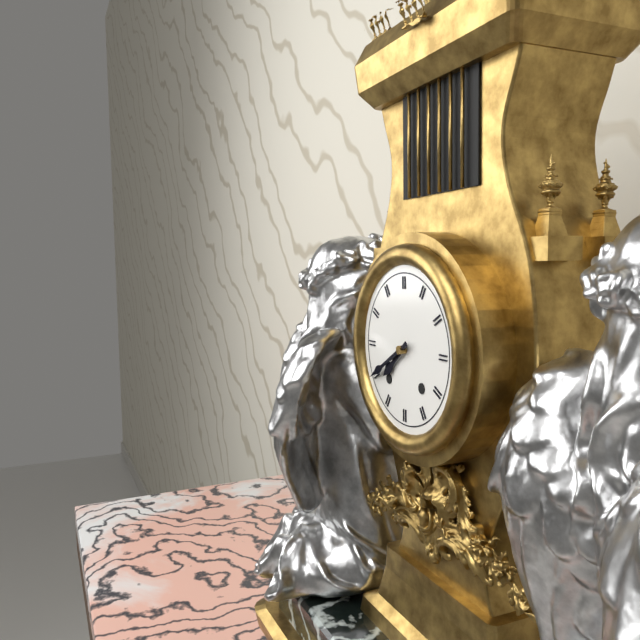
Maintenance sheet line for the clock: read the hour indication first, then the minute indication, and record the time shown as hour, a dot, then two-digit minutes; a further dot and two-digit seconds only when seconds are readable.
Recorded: 7.40
